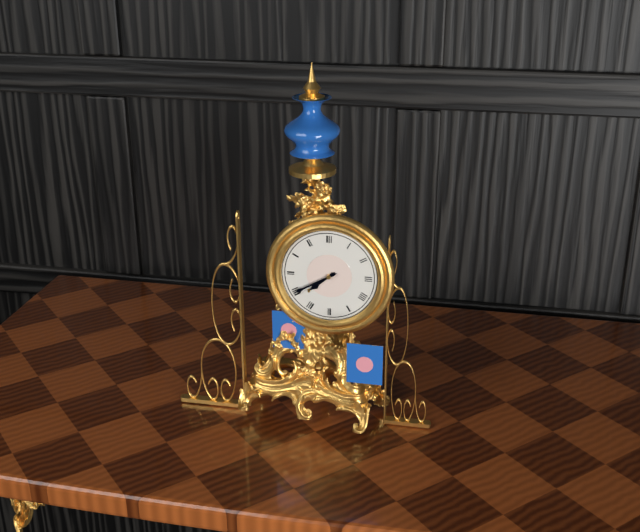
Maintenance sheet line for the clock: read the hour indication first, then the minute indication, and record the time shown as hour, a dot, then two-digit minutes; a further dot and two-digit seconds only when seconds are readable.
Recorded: 7.40
